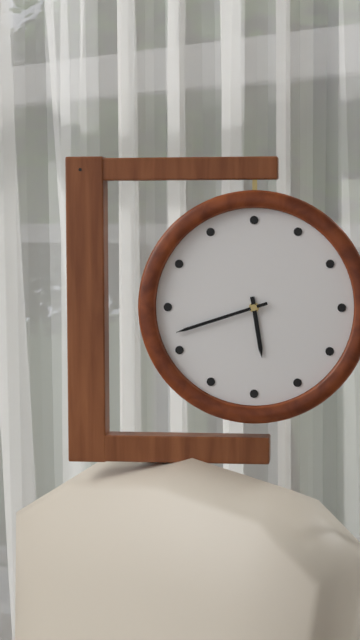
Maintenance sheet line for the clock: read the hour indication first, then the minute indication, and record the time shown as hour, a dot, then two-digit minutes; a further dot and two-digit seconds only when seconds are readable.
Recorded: 5.42
